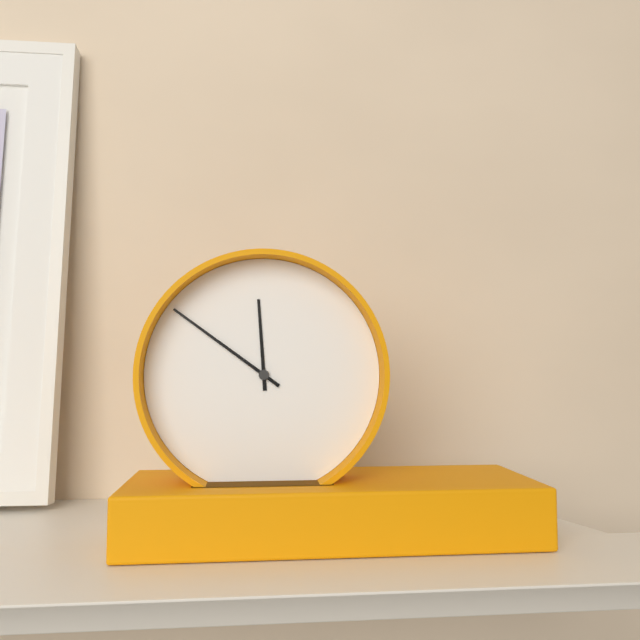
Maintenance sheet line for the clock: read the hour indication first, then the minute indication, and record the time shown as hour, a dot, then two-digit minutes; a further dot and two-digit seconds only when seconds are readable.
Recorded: 11.51
